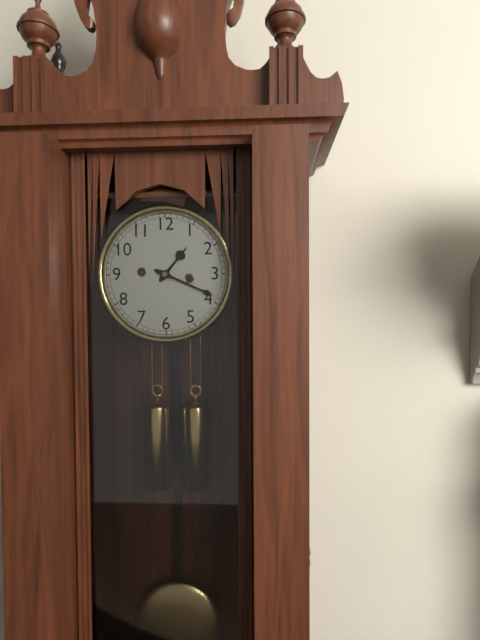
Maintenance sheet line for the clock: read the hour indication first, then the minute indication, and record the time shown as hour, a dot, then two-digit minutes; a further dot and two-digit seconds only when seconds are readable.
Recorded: 1.19
